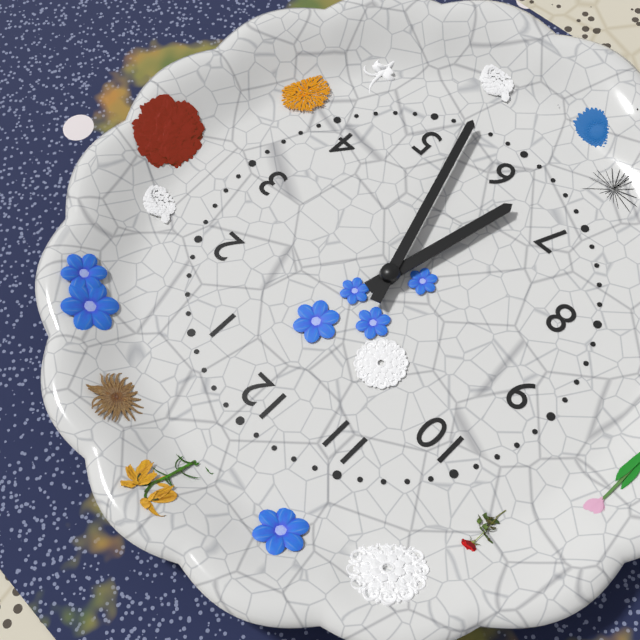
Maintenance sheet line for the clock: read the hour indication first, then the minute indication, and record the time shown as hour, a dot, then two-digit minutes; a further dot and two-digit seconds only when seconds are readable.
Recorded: 6.27
